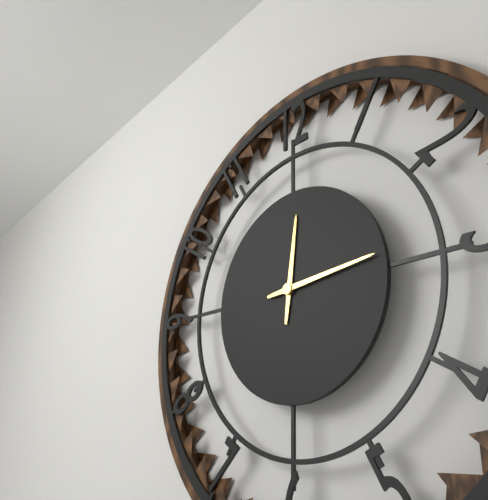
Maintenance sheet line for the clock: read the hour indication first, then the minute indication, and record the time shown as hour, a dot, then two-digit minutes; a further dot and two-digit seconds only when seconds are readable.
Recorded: 12.14
